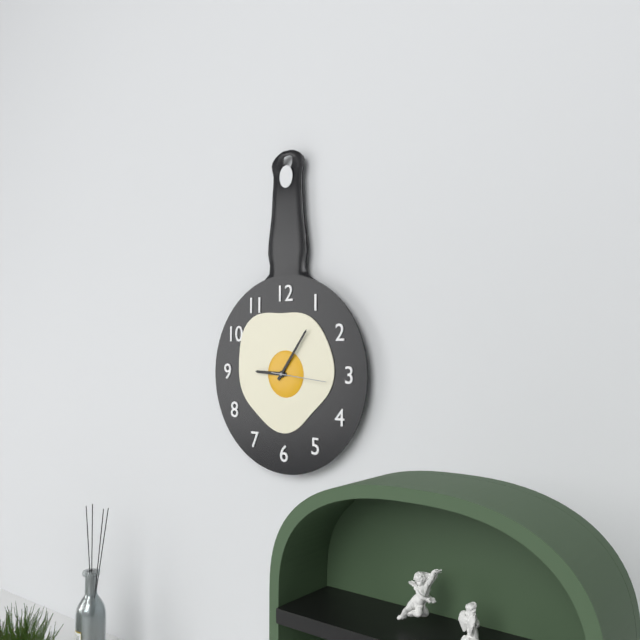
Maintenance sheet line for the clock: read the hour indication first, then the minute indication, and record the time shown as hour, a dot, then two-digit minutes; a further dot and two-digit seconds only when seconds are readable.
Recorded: 9.06
